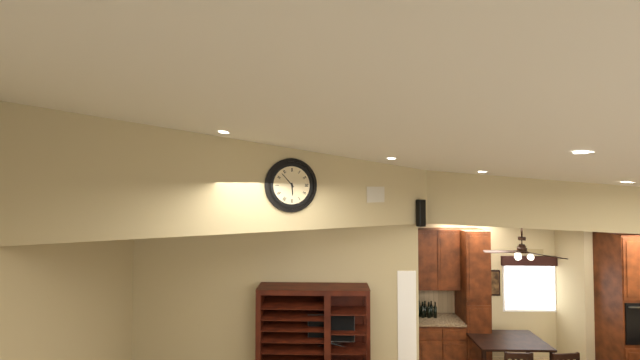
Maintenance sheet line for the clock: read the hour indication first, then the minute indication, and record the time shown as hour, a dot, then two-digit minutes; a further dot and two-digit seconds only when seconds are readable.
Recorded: 5.53
